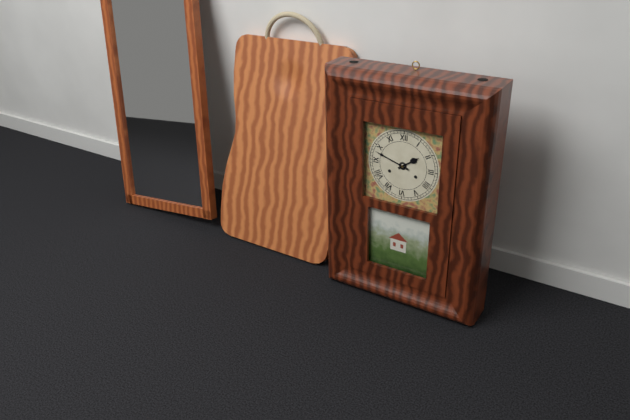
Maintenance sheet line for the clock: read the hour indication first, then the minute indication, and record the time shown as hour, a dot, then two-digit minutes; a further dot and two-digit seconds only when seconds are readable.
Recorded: 1.48
